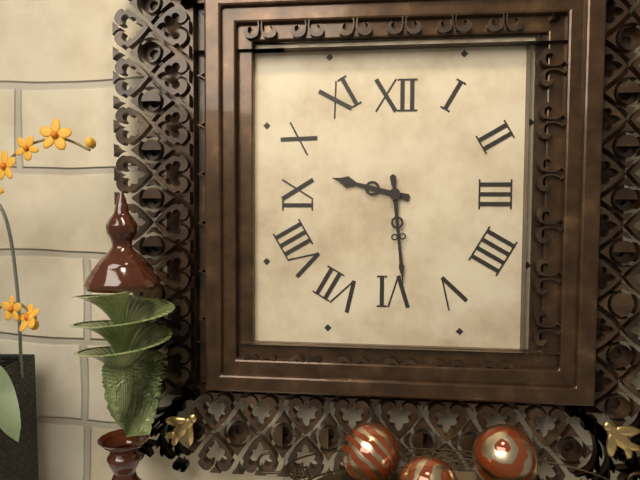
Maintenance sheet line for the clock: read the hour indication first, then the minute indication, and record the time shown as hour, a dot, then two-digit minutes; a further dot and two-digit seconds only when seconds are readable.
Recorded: 9.29
